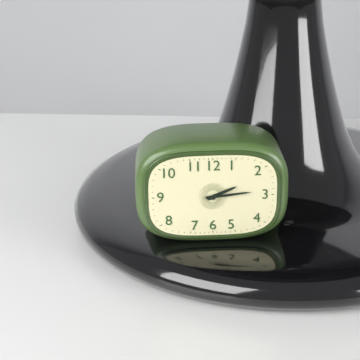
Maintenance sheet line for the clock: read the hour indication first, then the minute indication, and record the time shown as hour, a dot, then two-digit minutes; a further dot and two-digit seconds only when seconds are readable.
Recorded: 2.14
